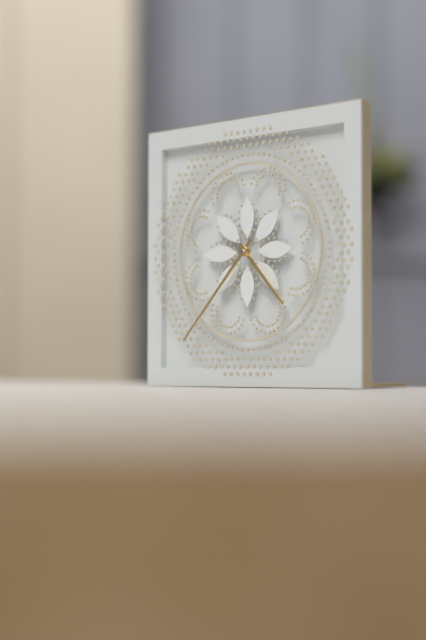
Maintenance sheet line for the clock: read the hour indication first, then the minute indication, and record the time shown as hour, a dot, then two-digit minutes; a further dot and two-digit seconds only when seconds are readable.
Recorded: 4.37
